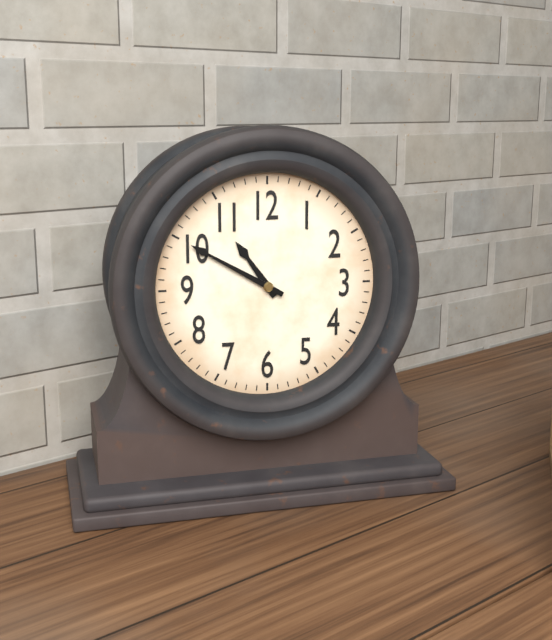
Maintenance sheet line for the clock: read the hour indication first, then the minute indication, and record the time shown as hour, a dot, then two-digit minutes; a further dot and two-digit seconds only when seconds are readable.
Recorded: 10.50
